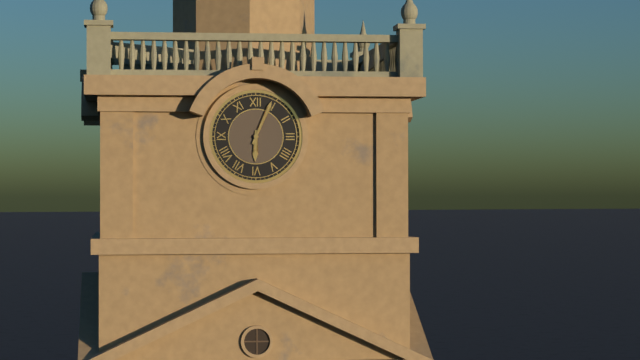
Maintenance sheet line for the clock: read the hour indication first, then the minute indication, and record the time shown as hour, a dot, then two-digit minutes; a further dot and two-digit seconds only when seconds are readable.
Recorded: 6.04
